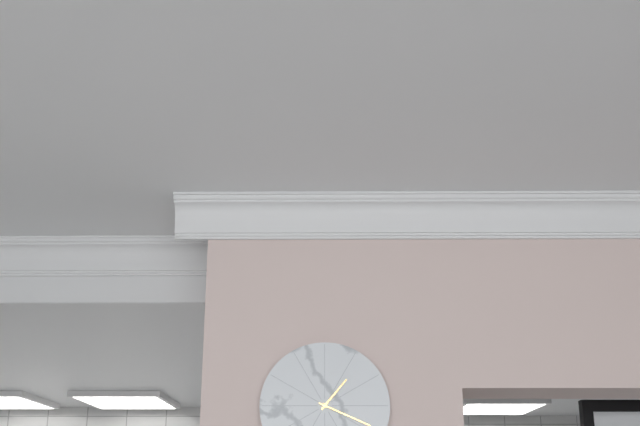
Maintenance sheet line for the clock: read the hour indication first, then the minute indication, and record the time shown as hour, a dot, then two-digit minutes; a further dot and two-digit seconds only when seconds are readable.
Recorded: 1.19
